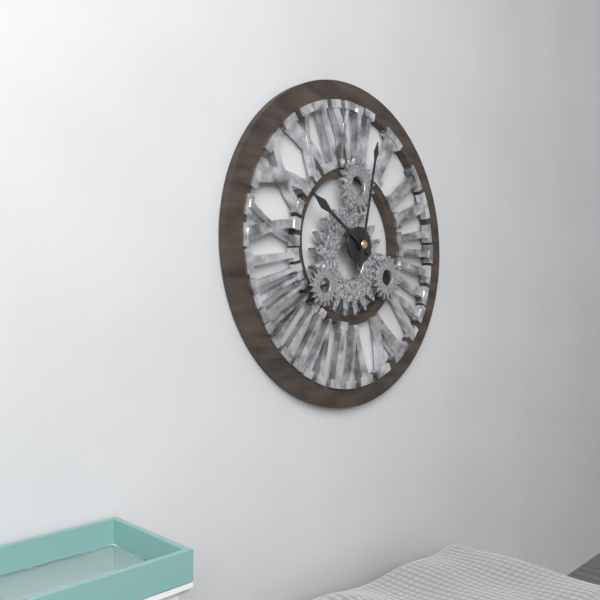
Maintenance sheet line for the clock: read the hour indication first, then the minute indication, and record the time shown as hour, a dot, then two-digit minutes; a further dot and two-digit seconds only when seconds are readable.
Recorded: 10.02
